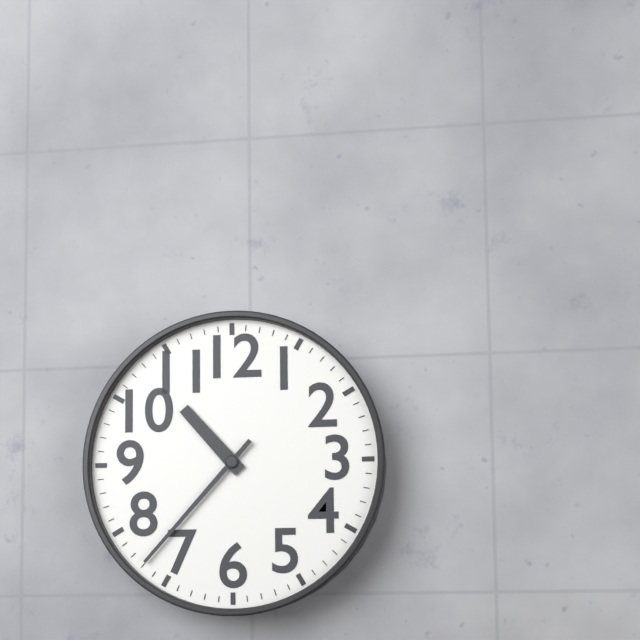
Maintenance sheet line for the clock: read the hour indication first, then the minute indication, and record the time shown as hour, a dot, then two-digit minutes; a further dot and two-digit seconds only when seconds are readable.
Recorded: 10.37
